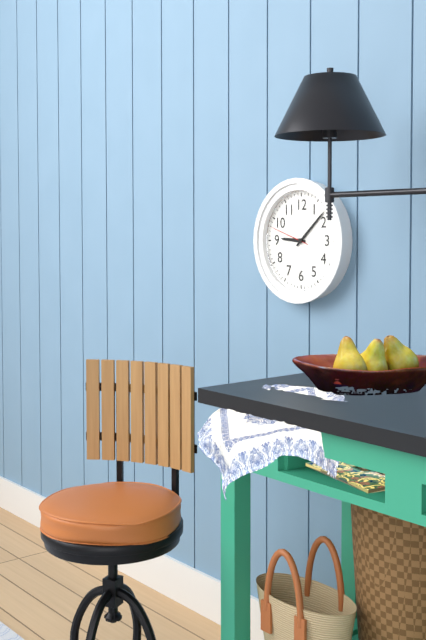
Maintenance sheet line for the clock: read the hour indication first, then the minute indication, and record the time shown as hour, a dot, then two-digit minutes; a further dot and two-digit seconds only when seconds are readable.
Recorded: 9.08
